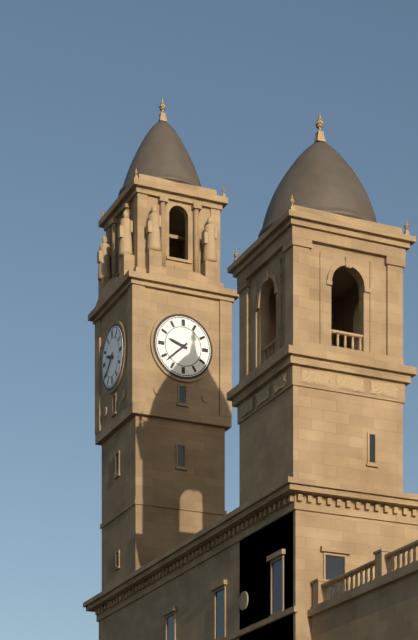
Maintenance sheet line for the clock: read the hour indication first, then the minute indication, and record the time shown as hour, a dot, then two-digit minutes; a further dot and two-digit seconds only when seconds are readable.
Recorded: 9.38
